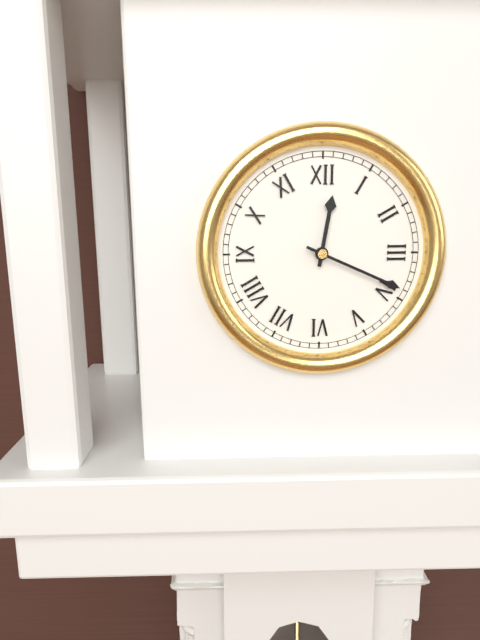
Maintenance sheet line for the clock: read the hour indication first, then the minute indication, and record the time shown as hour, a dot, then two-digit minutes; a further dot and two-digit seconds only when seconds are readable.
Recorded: 12.19
